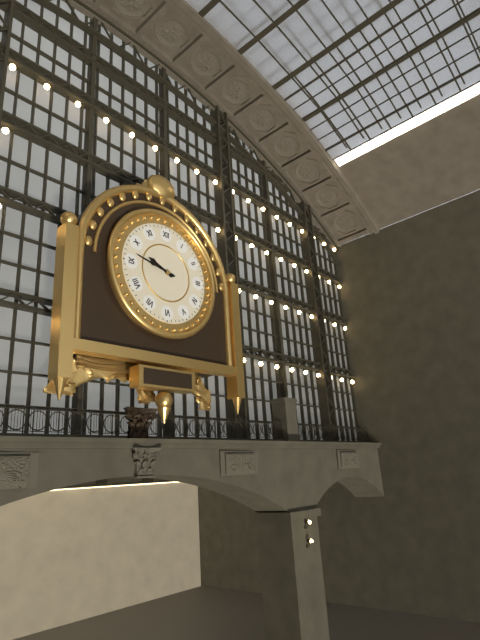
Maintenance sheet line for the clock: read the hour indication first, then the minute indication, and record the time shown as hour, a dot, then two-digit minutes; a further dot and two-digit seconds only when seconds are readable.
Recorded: 9.47
